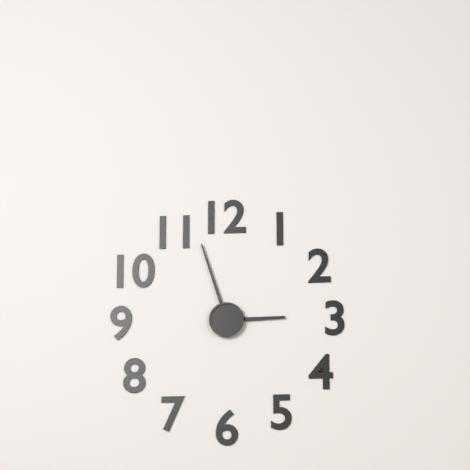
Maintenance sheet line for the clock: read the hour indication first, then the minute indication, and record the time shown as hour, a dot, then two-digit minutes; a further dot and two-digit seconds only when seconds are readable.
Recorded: 2.57
